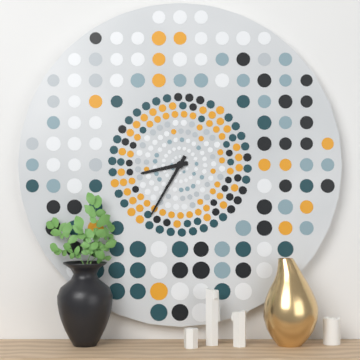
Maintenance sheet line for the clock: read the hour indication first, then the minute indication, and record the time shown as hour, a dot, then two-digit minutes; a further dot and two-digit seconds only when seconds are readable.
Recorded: 8.35
